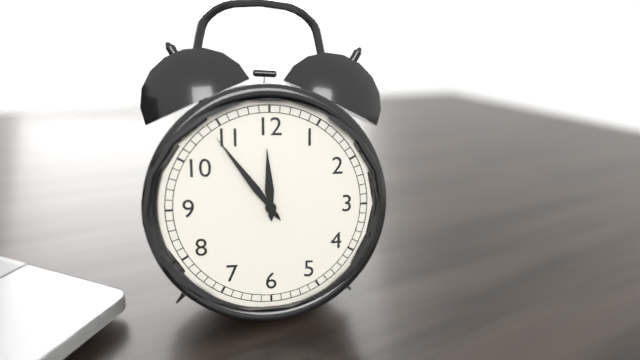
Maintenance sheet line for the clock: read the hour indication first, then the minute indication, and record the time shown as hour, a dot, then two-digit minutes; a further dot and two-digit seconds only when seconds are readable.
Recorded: 11.54
